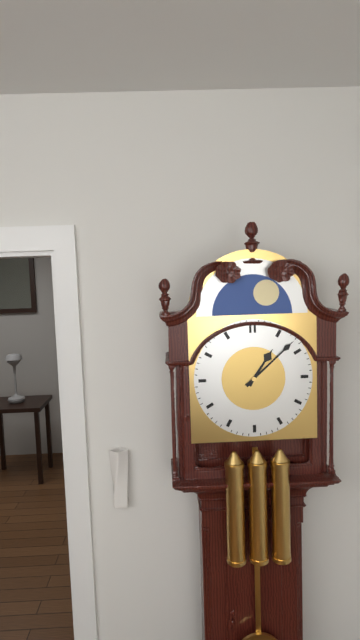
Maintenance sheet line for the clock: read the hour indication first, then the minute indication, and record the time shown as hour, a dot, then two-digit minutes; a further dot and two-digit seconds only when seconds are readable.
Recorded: 1.08
